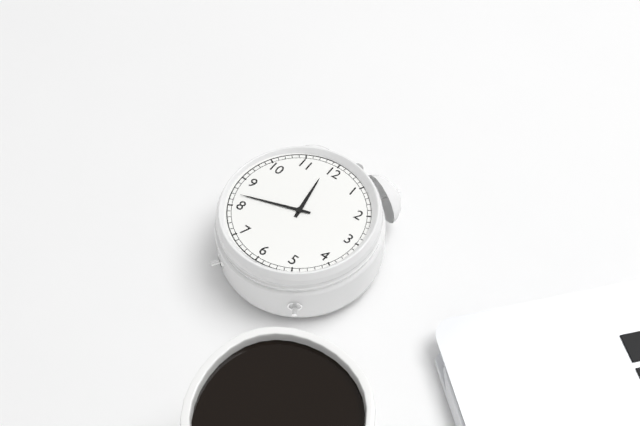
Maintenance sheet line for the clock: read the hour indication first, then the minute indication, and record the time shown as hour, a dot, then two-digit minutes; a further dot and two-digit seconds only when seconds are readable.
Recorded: 11.42
